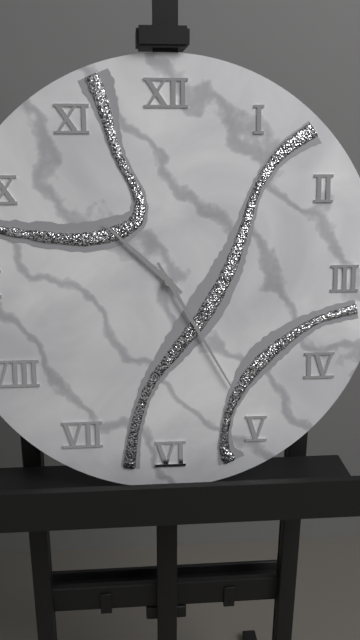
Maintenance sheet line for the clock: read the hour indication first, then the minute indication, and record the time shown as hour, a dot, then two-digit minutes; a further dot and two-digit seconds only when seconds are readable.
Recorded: 10.25
